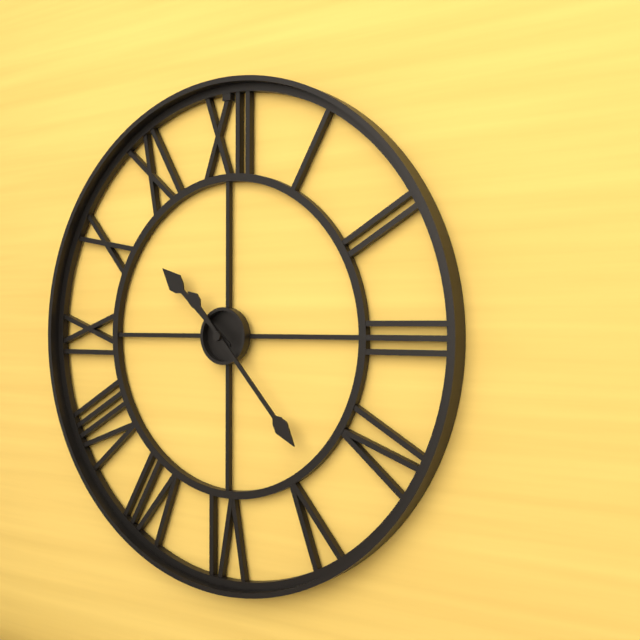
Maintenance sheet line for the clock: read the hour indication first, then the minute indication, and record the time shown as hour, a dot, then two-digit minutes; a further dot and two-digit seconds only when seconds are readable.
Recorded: 10.23
